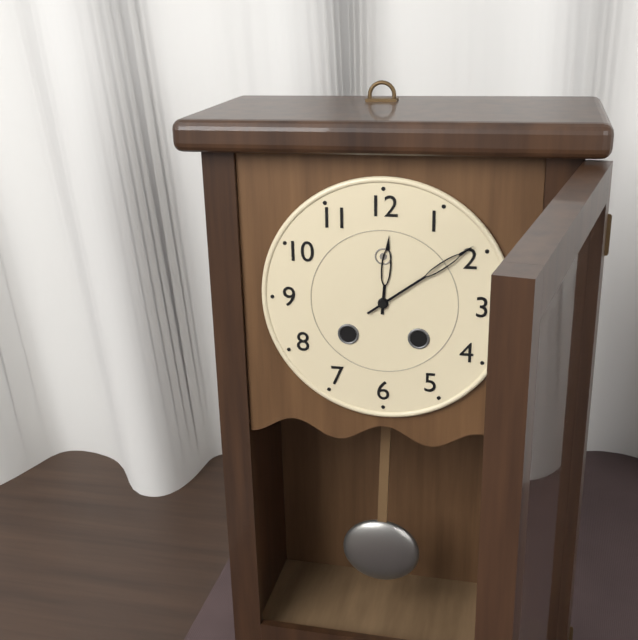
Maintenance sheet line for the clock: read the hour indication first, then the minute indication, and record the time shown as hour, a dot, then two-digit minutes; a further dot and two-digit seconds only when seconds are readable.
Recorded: 12.09
